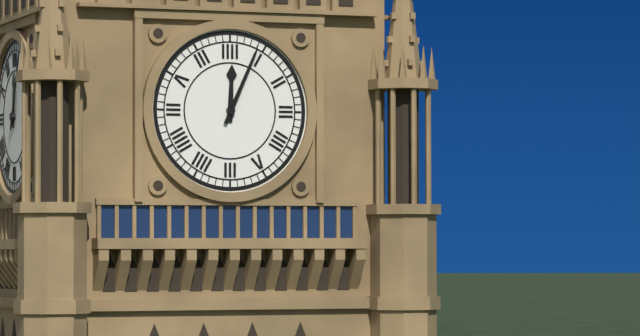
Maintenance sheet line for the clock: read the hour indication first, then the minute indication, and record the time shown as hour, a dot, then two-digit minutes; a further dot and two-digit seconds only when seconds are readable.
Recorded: 12.04
